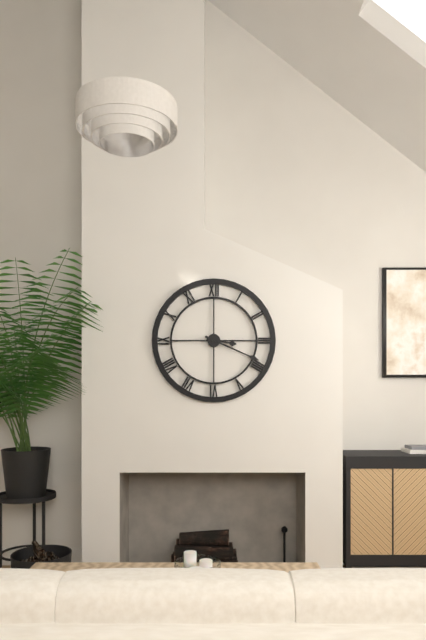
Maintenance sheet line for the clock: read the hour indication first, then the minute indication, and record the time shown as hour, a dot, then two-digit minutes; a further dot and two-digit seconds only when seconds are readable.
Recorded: 3.19
